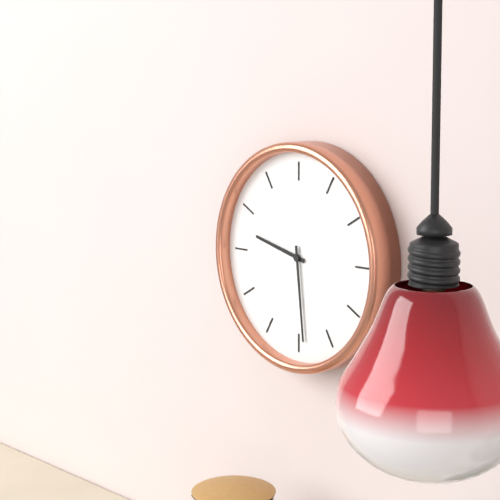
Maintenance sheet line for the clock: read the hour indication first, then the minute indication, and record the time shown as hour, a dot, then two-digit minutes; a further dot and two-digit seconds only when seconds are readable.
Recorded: 9.29
